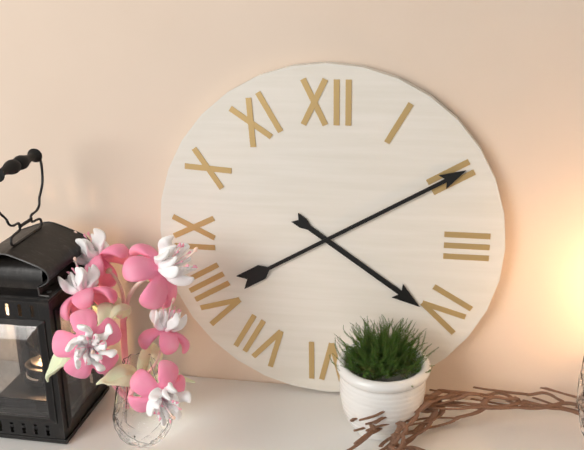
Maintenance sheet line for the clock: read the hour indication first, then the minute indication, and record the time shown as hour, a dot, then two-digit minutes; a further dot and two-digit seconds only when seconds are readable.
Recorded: 4.10
